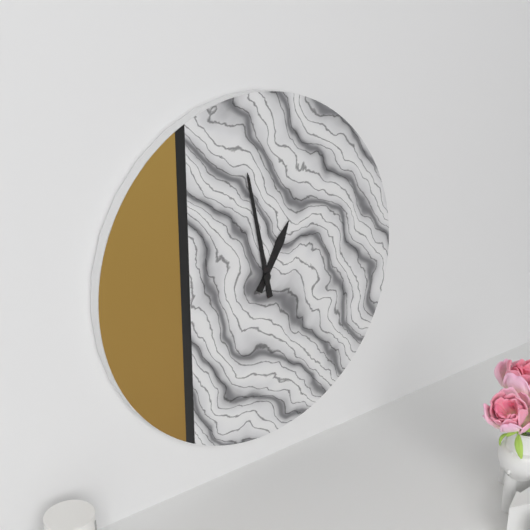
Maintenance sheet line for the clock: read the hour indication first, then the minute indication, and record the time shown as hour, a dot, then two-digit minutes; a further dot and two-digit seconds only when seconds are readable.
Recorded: 12.58
